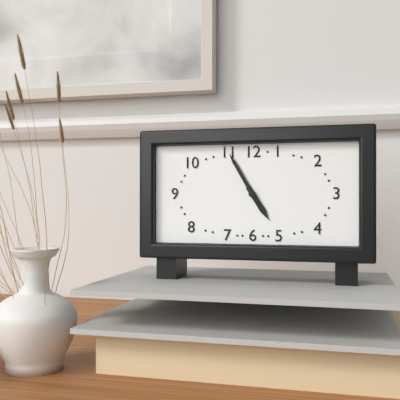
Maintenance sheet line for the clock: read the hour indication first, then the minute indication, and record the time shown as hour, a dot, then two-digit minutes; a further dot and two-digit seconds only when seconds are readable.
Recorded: 4.55
